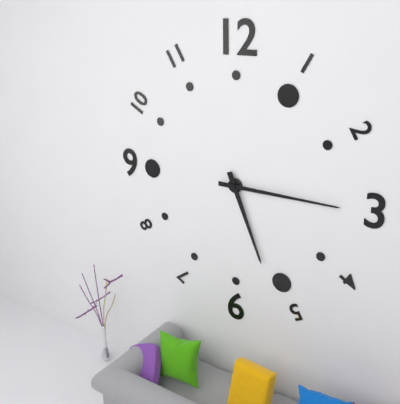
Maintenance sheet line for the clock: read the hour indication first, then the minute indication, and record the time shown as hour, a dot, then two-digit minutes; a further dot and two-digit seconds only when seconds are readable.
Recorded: 5.15
